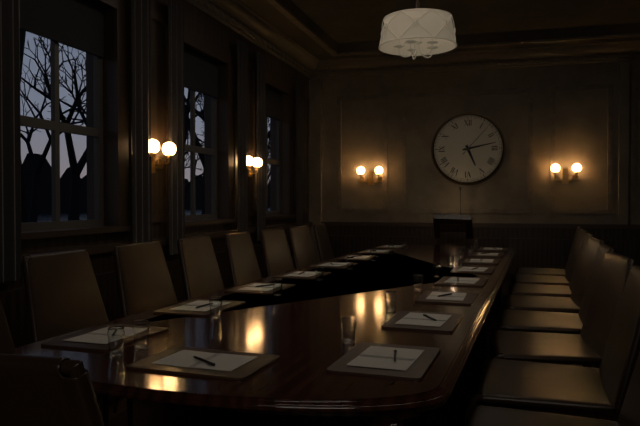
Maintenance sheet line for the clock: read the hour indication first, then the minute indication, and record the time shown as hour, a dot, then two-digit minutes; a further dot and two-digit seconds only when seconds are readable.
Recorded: 5.13
